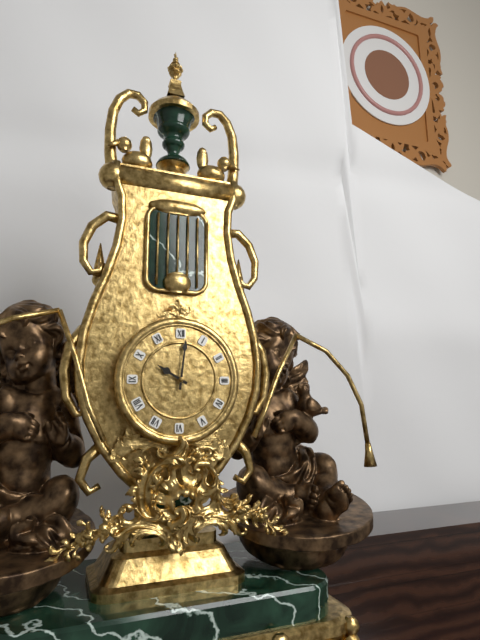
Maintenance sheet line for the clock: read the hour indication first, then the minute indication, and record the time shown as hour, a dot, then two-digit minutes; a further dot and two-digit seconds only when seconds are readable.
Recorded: 10.01
